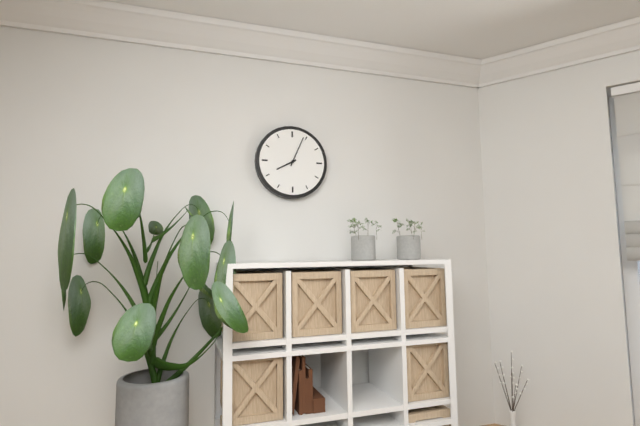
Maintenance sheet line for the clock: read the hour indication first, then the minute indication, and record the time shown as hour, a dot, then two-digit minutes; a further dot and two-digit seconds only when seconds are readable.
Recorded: 8.04
